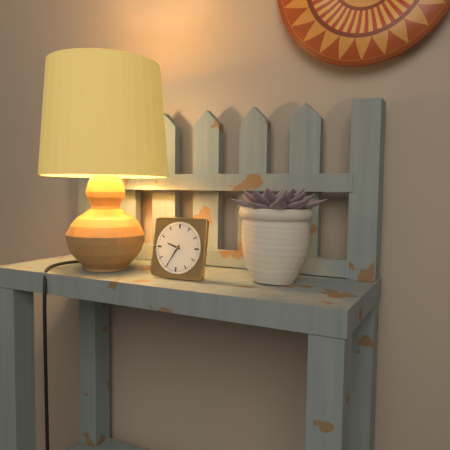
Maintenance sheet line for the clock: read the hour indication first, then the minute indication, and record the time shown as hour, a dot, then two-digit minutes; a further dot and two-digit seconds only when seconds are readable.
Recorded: 9.35
